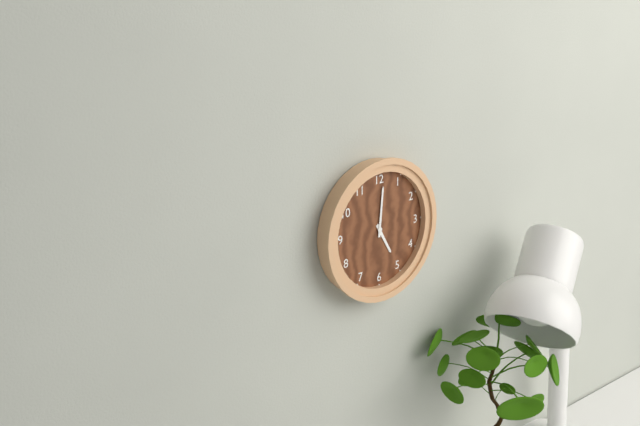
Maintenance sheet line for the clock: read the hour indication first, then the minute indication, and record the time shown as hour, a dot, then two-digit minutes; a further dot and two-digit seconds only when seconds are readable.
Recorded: 5.01
